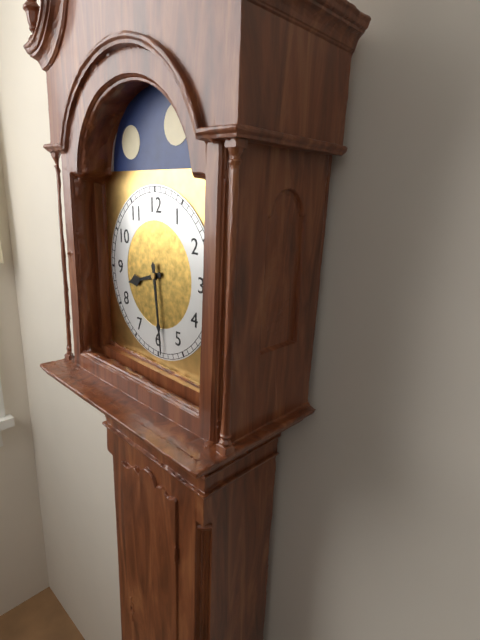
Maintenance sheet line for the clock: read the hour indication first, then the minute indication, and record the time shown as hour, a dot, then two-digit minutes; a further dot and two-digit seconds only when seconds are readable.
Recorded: 8.29
